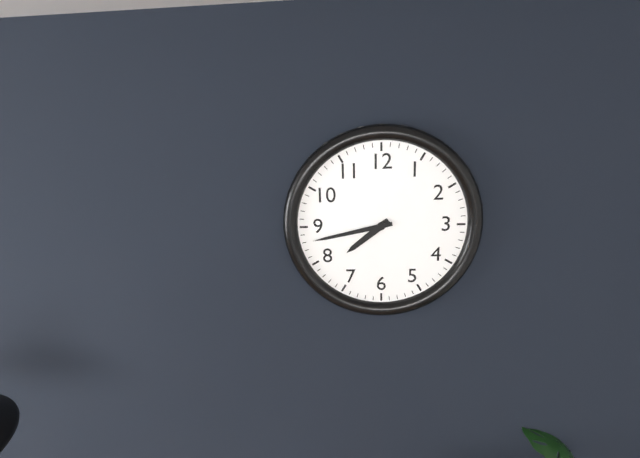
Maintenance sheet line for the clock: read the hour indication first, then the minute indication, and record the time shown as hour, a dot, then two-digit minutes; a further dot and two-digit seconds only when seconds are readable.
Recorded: 7.43
